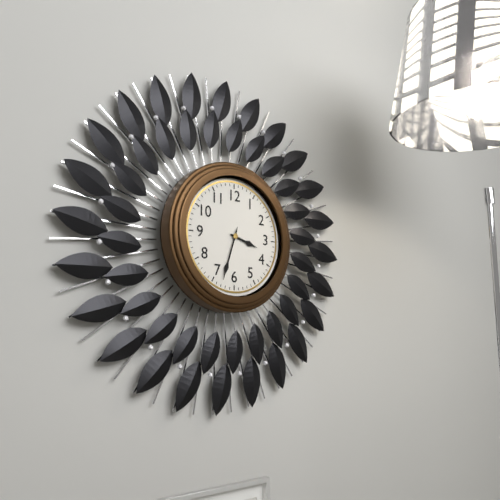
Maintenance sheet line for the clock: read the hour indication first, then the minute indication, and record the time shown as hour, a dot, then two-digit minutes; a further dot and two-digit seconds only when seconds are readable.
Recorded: 3.33
